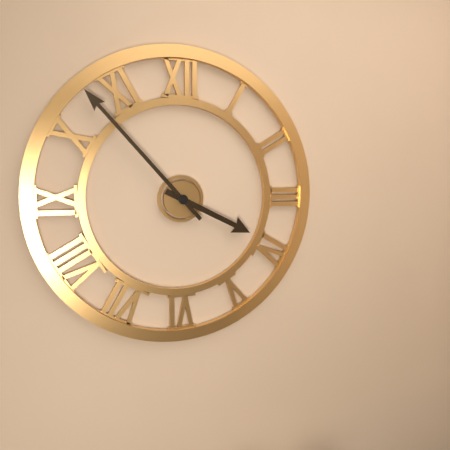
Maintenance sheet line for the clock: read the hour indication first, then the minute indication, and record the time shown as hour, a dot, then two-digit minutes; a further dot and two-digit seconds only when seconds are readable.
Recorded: 3.53
